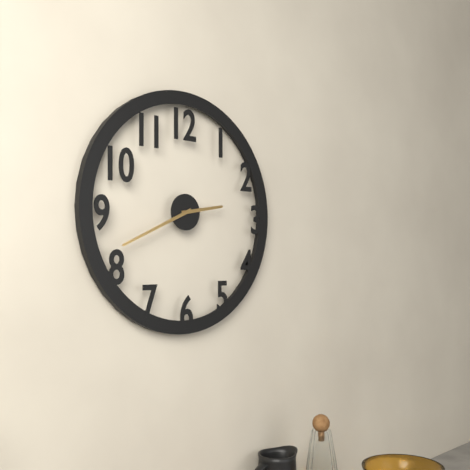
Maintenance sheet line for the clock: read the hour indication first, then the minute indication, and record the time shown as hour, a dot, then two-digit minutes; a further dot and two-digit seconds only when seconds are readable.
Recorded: 2.41
